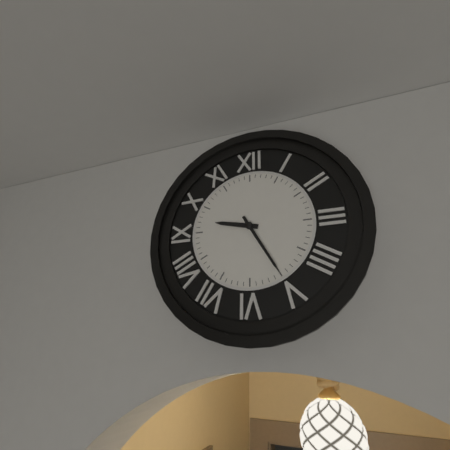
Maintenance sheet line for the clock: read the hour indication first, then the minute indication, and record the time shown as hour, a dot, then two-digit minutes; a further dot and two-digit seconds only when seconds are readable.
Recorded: 9.25
